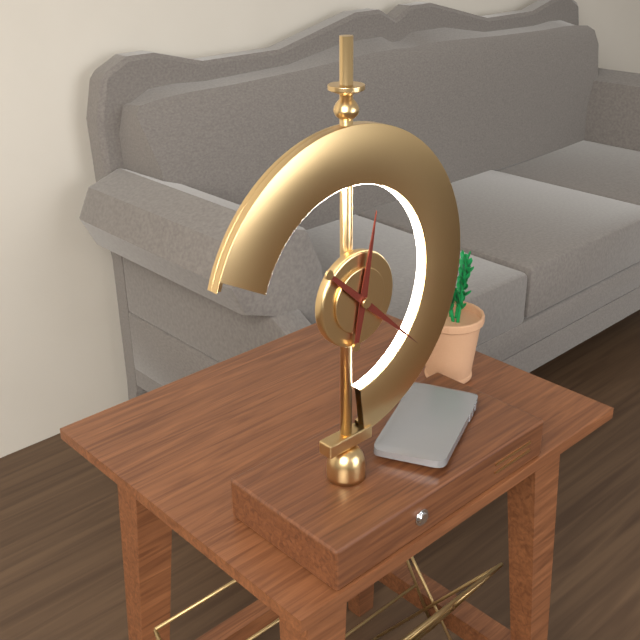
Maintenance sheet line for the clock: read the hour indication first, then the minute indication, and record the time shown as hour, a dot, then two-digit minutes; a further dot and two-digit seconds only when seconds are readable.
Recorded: 12.22
